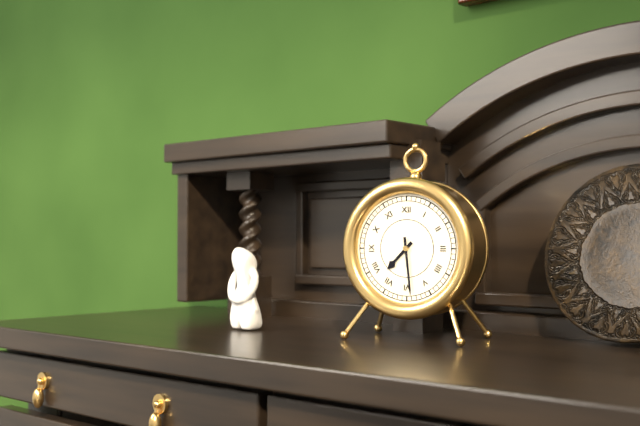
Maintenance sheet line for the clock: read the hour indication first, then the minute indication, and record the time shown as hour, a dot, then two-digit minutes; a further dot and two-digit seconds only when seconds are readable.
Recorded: 7.29
